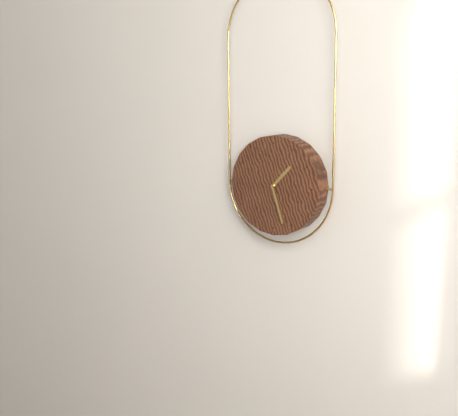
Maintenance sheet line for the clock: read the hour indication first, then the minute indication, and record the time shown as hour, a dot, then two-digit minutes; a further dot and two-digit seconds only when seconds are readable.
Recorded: 1.27
